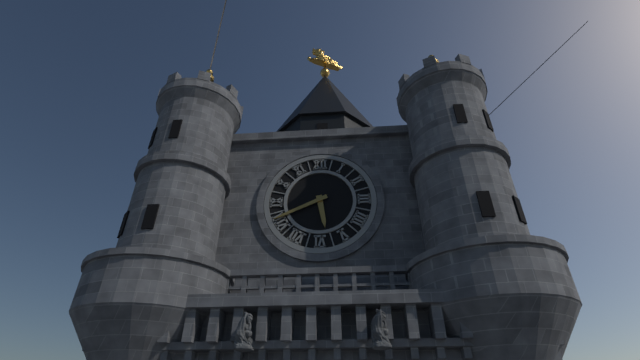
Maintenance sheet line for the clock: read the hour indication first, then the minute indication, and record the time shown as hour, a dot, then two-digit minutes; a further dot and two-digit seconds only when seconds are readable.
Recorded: 5.41
